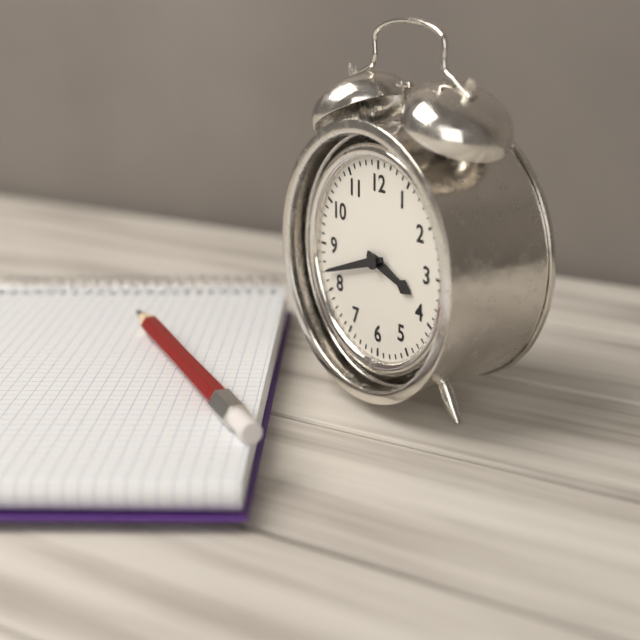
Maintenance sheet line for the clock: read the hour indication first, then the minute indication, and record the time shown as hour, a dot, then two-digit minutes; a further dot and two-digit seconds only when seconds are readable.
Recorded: 3.42
